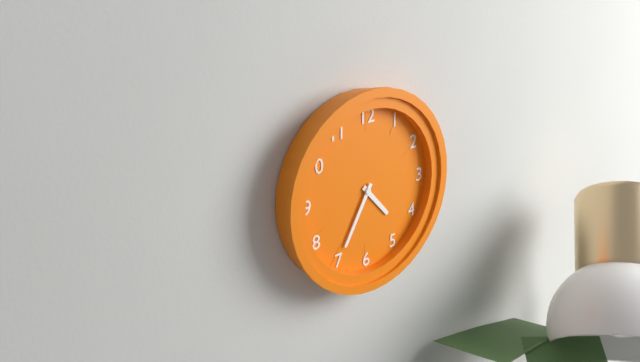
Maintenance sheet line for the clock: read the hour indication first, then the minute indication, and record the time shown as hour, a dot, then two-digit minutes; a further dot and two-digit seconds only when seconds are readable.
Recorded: 4.35
